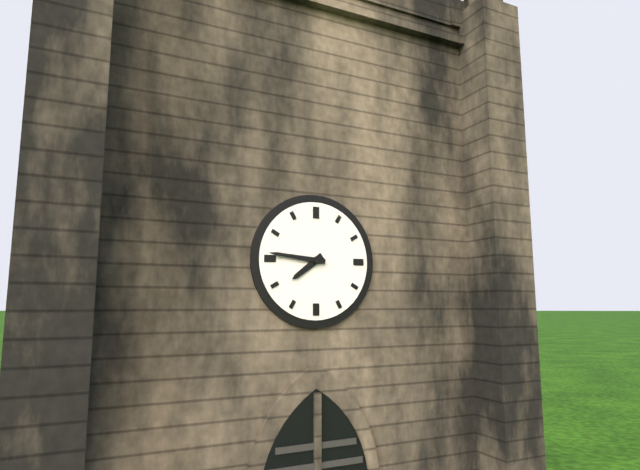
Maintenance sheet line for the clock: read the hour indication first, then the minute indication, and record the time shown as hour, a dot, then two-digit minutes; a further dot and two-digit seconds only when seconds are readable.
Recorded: 7.46
